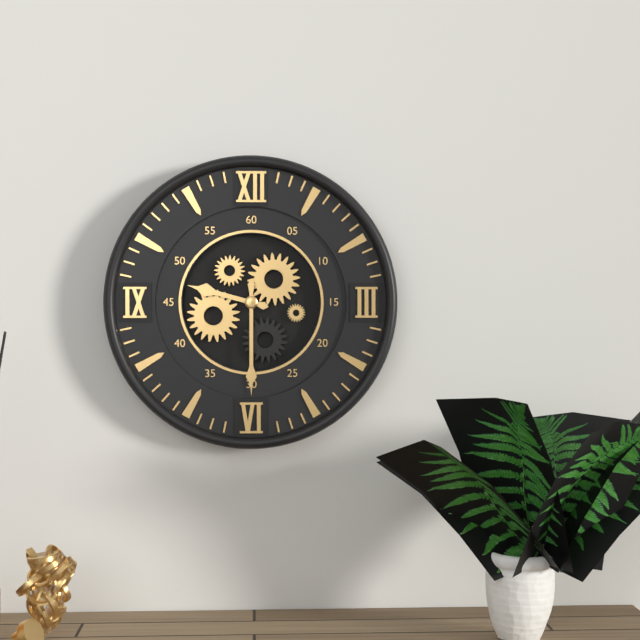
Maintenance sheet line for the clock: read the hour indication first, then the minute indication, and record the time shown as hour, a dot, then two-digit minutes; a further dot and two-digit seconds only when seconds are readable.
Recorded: 9.30
